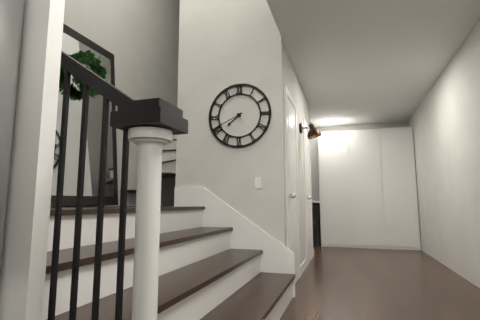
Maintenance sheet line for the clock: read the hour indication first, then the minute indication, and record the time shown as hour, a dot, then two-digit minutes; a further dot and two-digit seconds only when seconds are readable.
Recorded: 7.41
